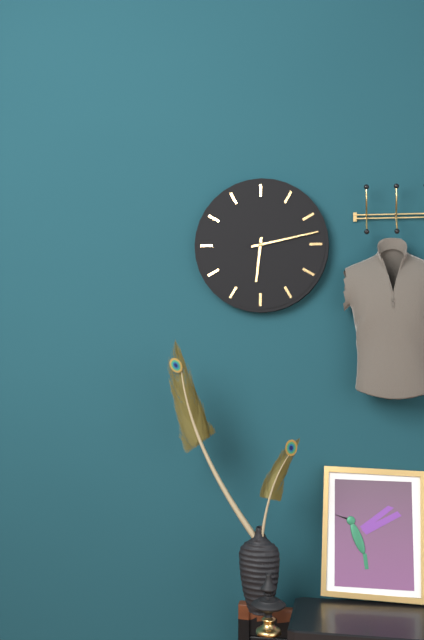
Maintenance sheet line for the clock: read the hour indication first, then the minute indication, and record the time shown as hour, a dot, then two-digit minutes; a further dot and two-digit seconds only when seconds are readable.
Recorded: 6.13
